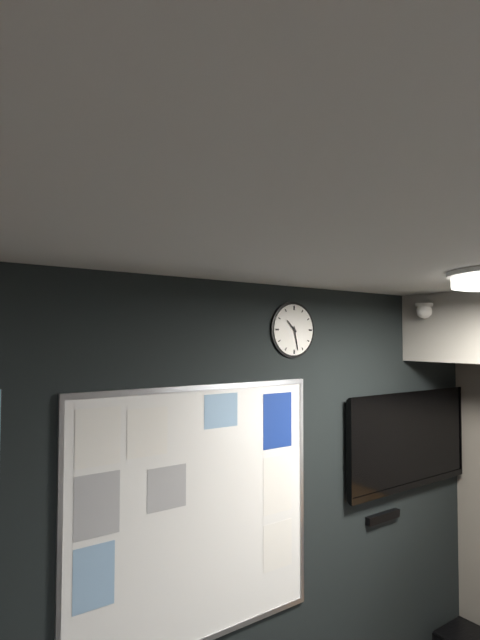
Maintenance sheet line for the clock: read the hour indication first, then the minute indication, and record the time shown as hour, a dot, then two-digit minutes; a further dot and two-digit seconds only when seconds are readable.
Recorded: 10.28
